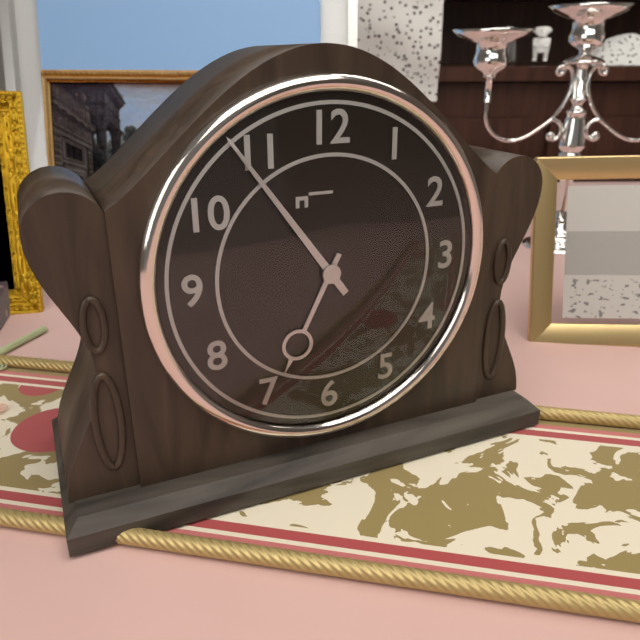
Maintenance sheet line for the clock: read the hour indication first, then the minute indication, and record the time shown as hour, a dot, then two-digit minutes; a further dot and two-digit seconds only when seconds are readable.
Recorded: 6.54
